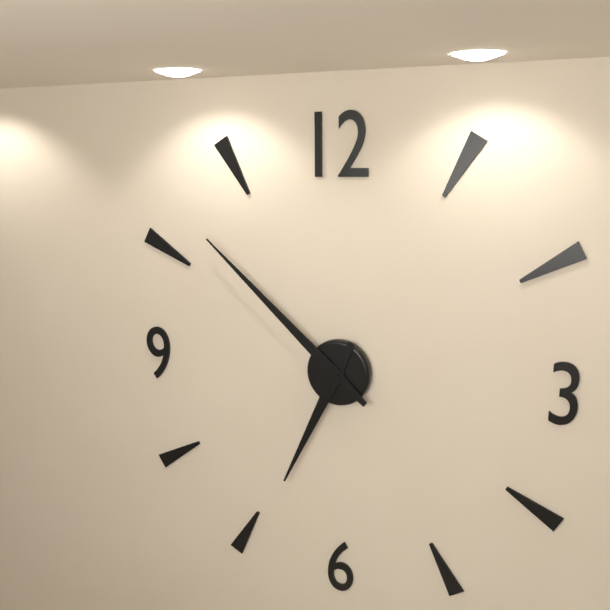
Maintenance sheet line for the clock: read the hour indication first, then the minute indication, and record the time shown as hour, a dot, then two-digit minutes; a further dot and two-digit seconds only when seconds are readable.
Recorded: 6.52
